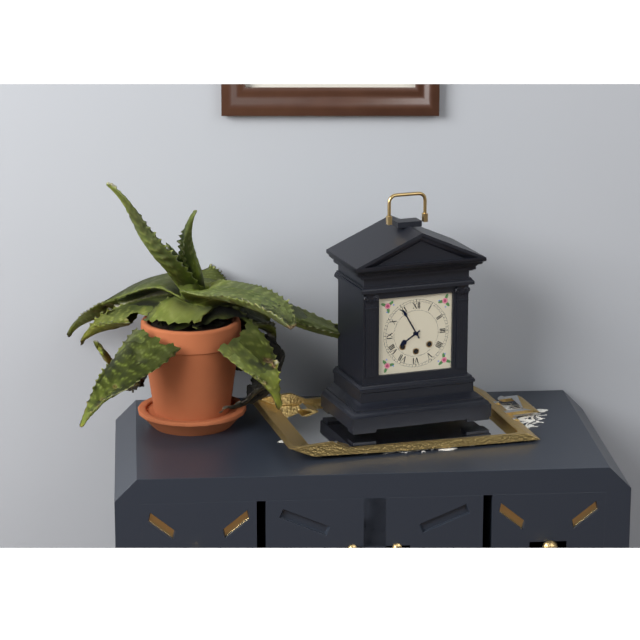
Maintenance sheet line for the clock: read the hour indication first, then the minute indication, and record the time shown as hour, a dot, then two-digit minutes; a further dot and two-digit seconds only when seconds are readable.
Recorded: 7.55
